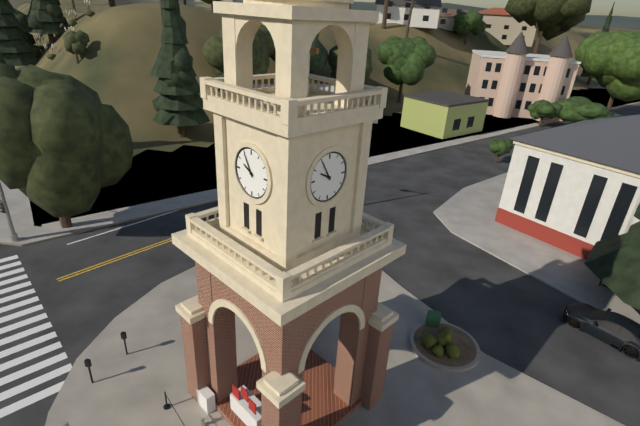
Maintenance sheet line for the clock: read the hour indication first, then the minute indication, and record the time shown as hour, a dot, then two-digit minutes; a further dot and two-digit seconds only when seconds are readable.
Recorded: 9.55
